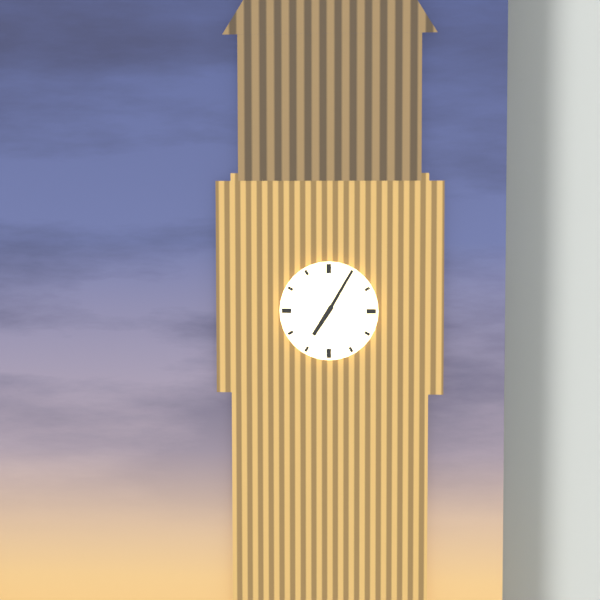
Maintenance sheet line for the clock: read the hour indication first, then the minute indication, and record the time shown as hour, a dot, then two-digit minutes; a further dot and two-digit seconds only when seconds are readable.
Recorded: 7.05
